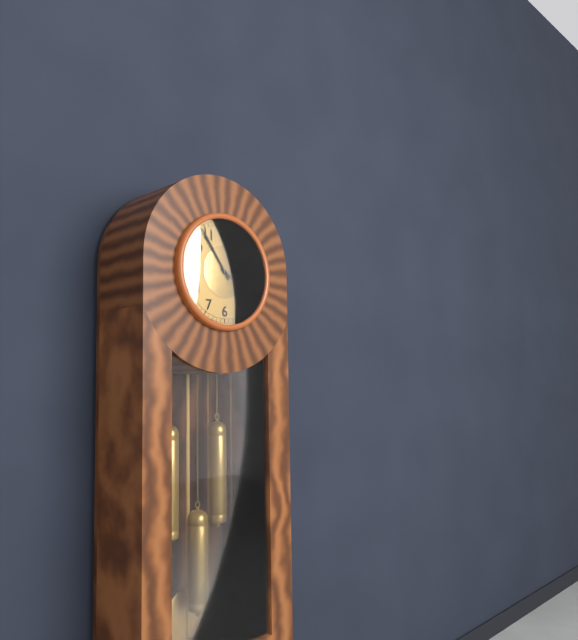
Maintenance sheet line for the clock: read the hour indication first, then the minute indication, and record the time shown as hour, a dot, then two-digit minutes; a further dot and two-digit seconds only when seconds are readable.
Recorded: 3.54
